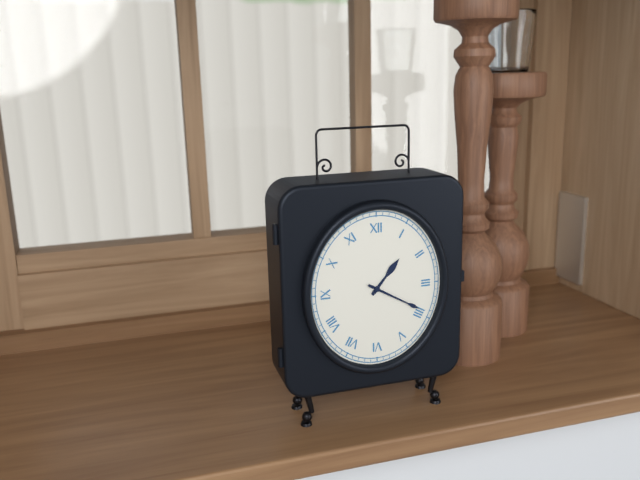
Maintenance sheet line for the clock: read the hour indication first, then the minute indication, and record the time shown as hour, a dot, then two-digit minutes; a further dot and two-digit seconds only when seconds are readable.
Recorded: 1.20
